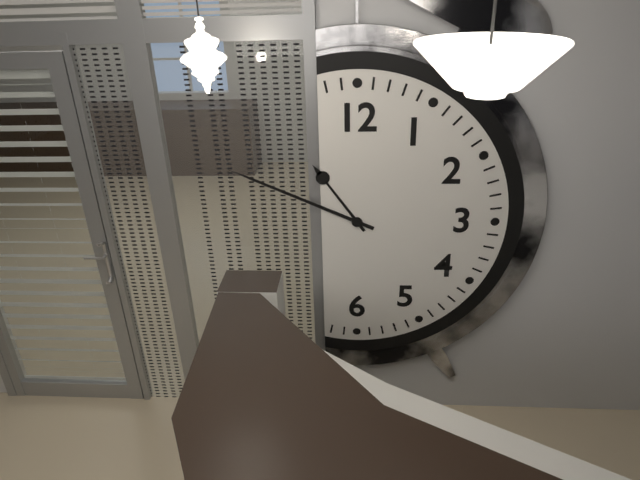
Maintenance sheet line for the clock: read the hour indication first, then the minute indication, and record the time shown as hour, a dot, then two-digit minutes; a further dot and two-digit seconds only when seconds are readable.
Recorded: 10.49
